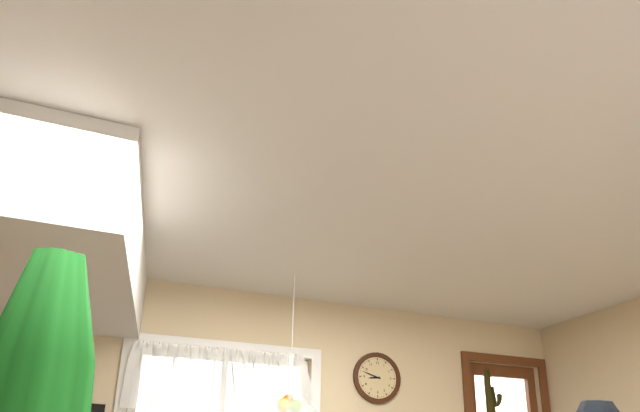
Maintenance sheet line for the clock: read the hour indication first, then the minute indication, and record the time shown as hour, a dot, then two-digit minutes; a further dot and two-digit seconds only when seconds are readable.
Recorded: 8.48
